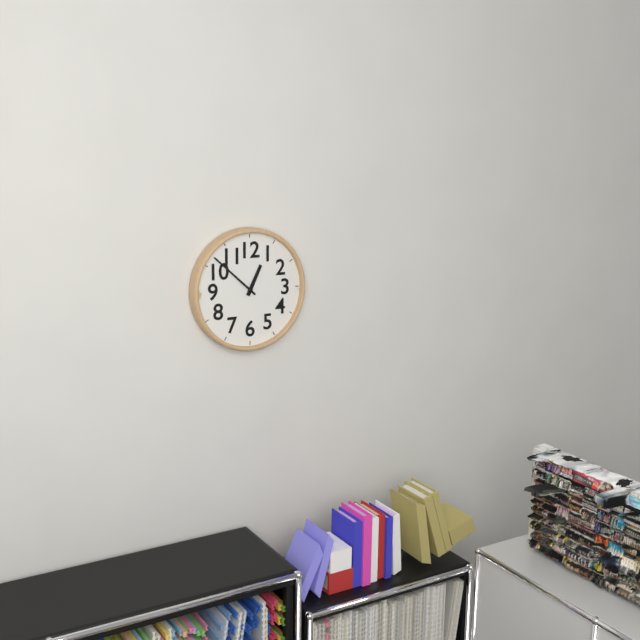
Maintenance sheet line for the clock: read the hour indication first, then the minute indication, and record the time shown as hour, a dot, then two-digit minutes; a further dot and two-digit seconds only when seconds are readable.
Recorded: 12.52
